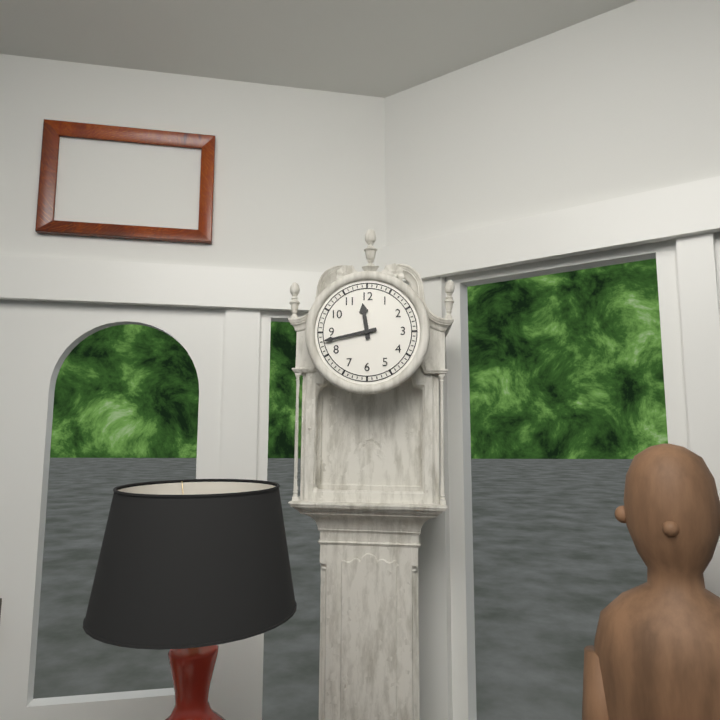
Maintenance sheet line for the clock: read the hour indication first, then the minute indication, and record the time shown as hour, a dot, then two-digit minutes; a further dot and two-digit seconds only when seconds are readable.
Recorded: 11.43
